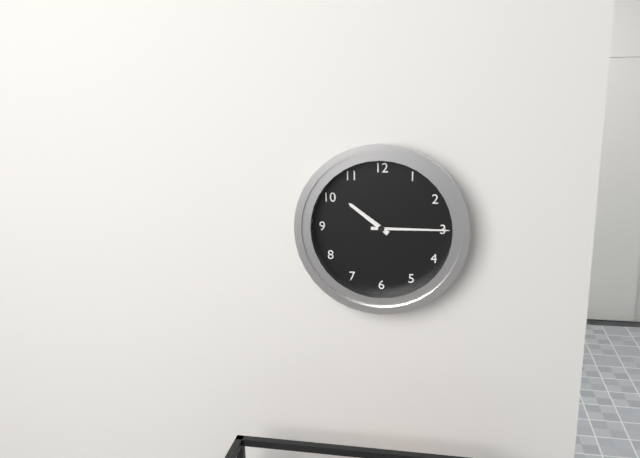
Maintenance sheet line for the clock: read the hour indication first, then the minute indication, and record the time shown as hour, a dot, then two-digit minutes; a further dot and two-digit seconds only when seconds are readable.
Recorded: 10.15
